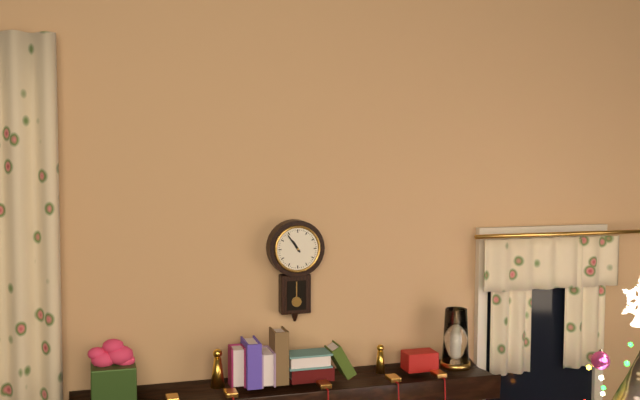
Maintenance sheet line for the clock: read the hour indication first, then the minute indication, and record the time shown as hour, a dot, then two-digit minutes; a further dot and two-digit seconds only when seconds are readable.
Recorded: 10.54
